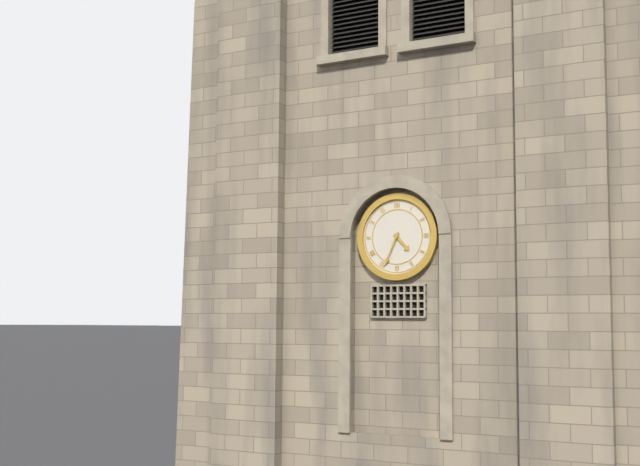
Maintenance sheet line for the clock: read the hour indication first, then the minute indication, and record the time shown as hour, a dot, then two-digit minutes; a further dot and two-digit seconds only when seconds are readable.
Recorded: 4.34
